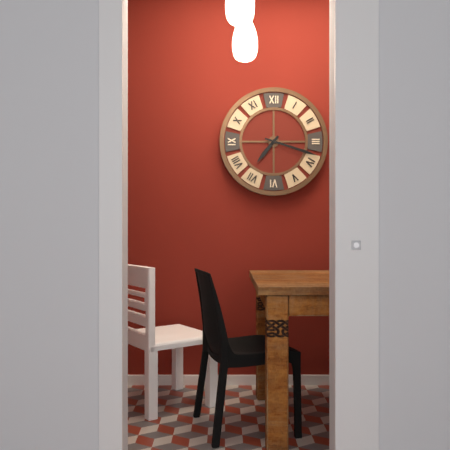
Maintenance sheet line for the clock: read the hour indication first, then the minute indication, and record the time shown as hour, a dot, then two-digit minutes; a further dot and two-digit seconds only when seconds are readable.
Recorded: 7.18
